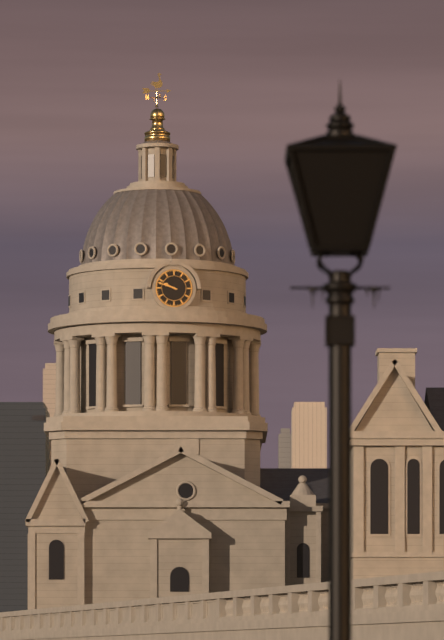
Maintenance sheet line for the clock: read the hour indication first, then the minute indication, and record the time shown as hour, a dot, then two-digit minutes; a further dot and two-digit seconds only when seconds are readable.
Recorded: 9.48
